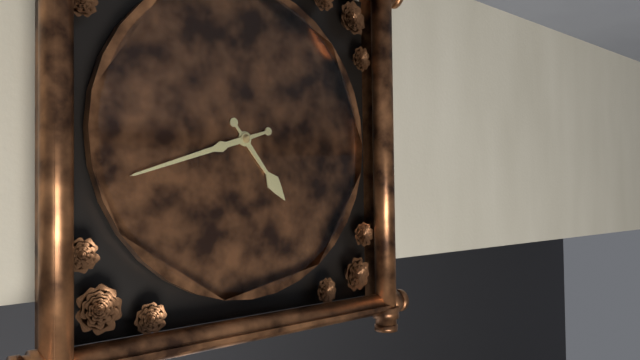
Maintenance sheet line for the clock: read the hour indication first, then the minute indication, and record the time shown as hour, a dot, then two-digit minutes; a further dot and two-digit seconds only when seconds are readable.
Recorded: 4.42
